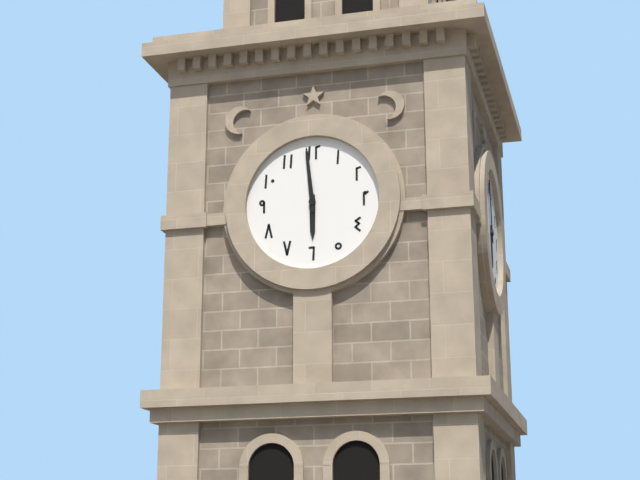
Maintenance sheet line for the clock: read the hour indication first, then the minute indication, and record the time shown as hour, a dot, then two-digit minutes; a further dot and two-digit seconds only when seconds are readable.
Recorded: 5.59
